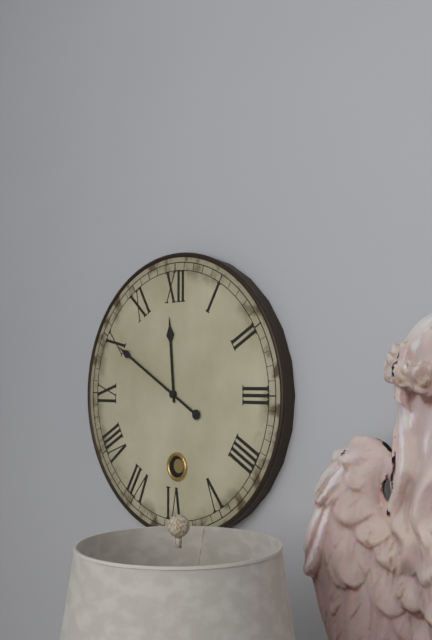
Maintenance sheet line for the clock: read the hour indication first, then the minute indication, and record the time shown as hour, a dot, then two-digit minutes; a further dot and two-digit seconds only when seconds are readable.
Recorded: 11.50
